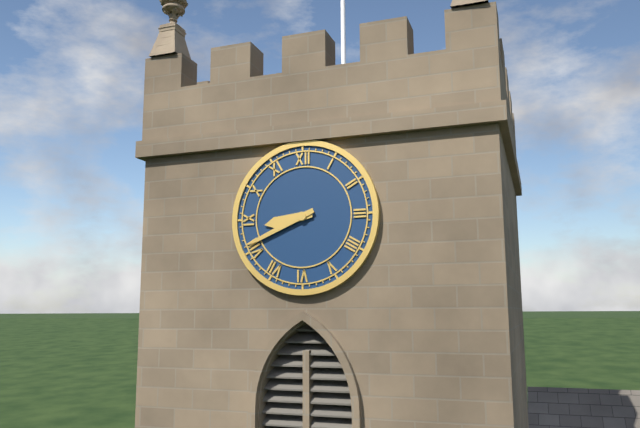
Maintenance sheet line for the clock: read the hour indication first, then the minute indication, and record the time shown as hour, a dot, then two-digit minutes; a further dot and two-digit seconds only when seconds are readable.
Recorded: 8.41
